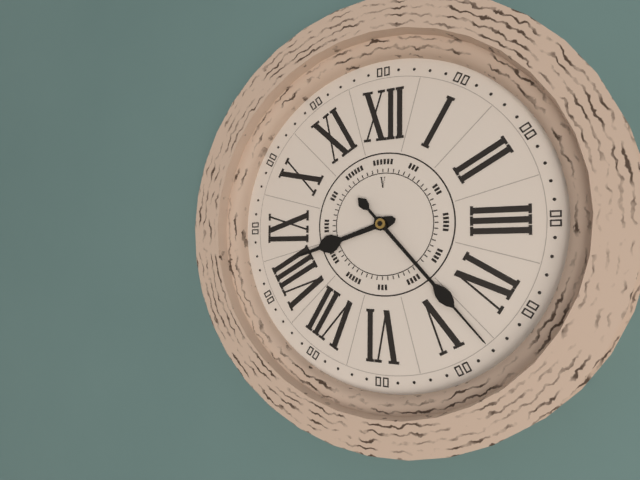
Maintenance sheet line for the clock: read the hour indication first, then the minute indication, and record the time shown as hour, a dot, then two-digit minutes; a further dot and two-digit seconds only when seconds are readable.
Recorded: 8.23
